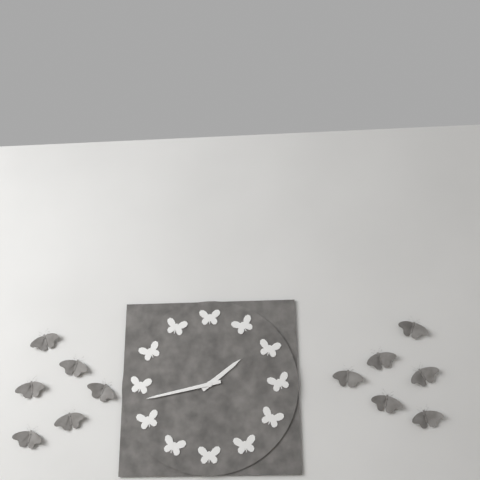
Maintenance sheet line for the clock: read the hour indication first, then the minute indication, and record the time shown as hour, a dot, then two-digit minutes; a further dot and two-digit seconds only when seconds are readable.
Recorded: 1.43
